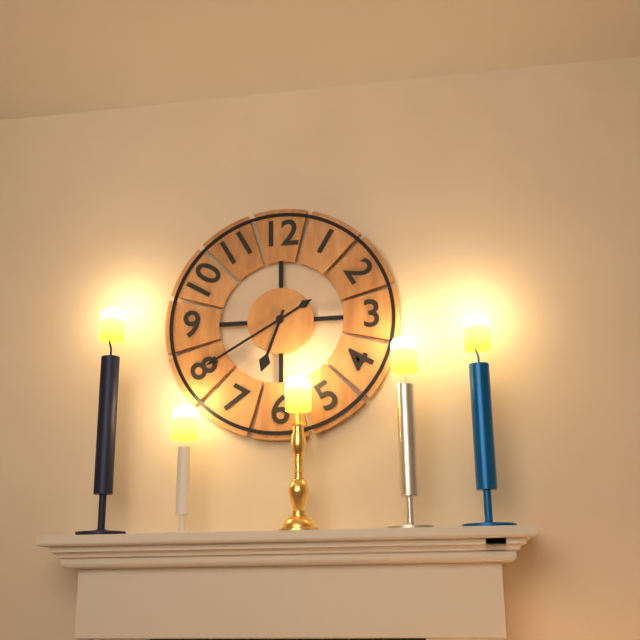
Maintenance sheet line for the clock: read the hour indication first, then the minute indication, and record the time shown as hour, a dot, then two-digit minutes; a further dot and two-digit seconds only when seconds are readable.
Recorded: 6.40
